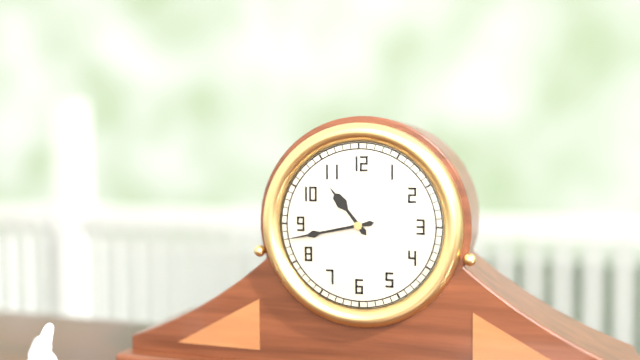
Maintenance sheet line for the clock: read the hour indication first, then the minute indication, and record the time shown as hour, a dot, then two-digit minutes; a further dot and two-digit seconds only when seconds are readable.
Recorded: 10.43
